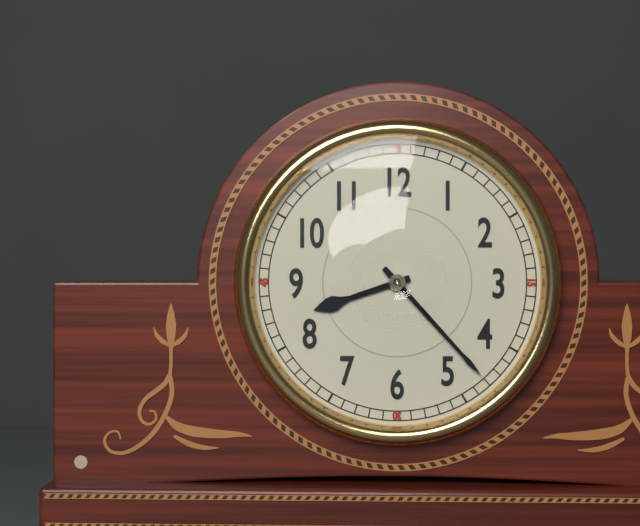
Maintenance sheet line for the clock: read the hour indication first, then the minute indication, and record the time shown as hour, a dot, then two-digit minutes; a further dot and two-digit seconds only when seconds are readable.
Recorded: 8.23
